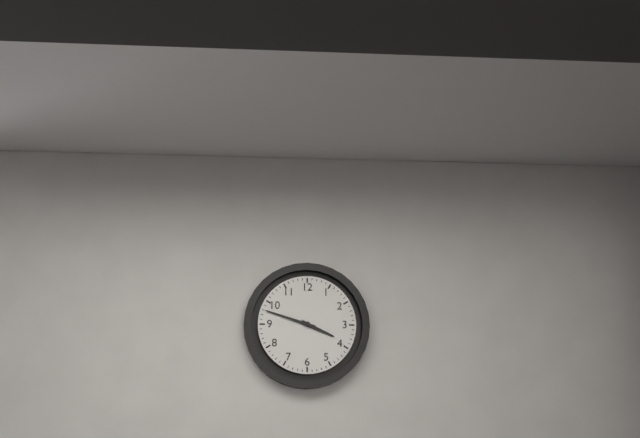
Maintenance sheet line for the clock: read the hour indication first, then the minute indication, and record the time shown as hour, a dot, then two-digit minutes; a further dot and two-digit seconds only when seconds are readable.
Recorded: 3.48
